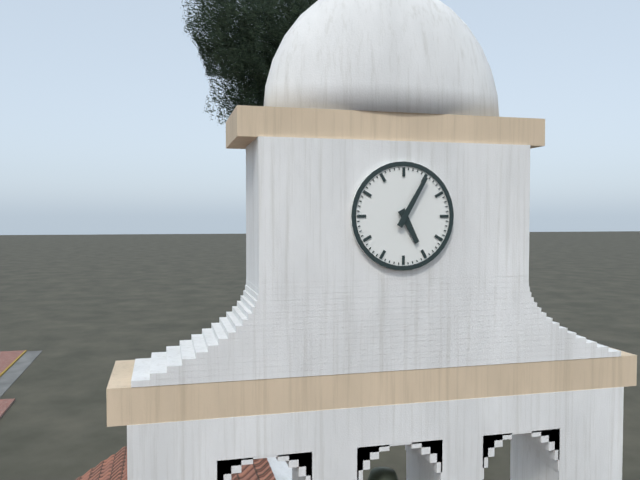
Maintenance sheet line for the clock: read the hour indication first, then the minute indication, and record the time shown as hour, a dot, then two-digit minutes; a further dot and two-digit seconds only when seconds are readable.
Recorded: 5.05
